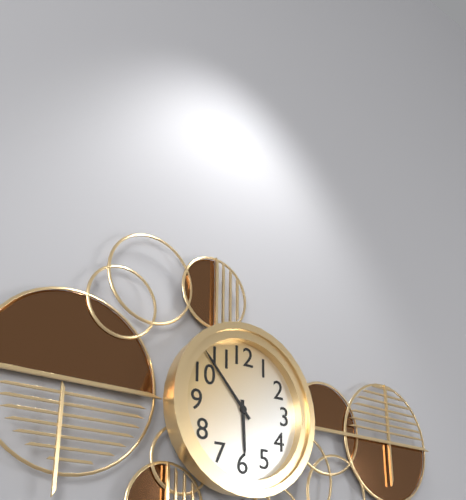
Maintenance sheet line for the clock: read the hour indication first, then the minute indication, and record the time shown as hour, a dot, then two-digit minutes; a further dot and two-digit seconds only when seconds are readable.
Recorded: 5.53
